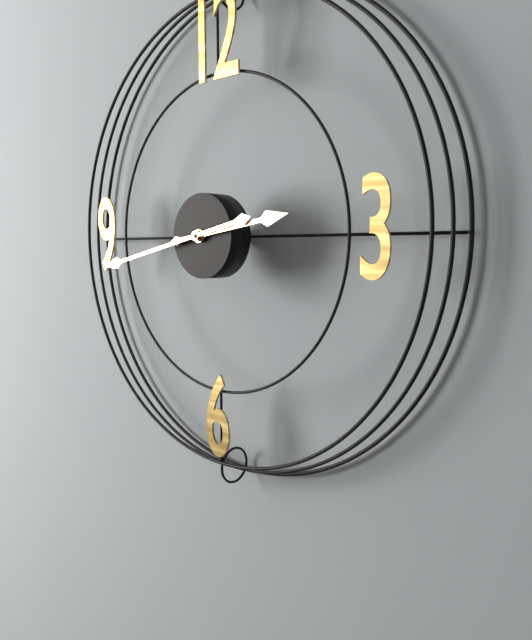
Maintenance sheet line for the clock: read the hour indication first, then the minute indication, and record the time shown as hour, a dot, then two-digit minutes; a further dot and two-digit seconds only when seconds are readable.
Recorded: 2.43
